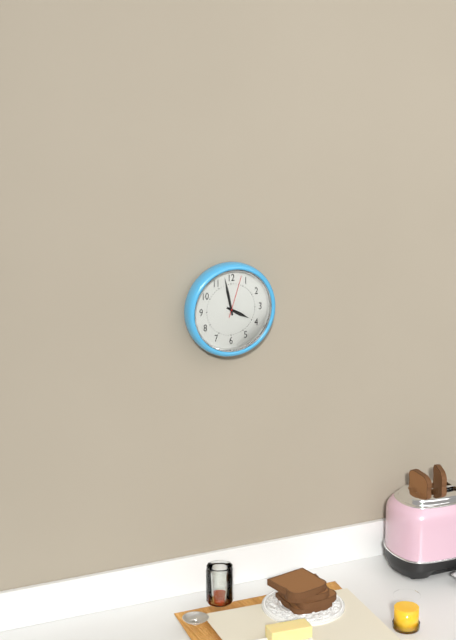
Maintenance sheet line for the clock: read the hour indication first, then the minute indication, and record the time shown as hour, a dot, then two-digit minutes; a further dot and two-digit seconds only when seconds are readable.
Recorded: 3.58
